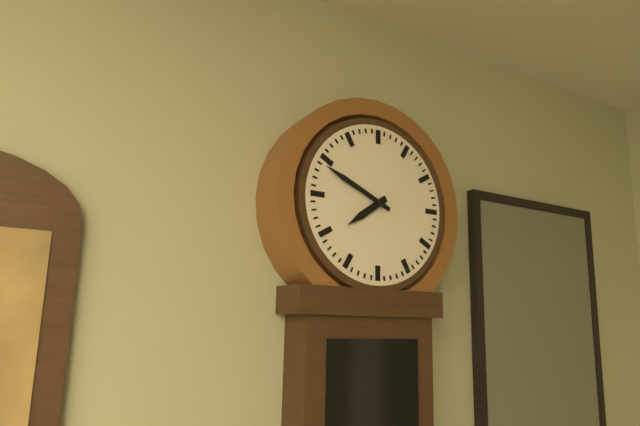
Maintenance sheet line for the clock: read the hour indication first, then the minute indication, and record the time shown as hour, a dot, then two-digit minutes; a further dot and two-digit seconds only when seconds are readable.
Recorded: 7.49
